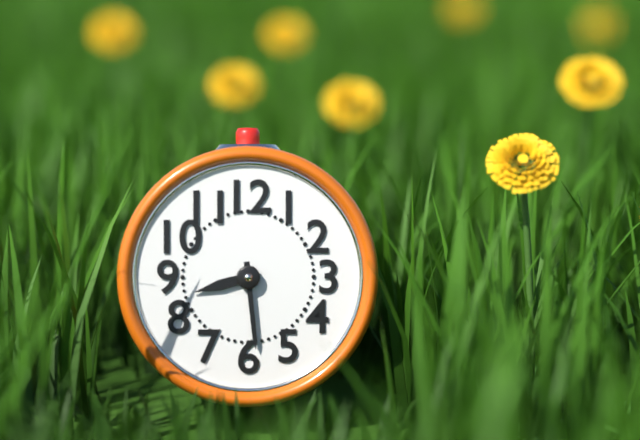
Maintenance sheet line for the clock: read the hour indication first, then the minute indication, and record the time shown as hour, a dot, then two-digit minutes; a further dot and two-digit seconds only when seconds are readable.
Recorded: 8.29
